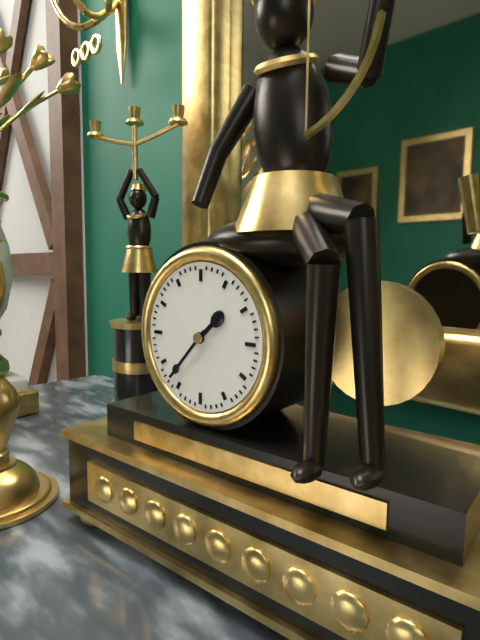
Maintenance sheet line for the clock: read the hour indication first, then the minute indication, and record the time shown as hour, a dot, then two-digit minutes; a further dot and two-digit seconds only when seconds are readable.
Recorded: 1.37
